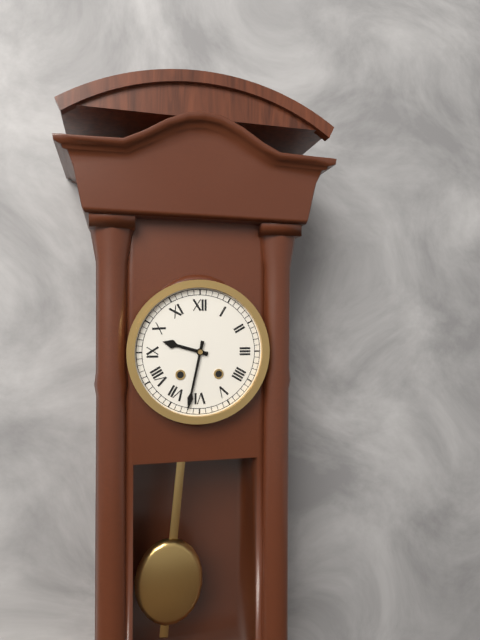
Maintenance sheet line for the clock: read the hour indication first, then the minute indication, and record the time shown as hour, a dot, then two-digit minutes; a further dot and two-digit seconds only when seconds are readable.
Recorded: 9.32
